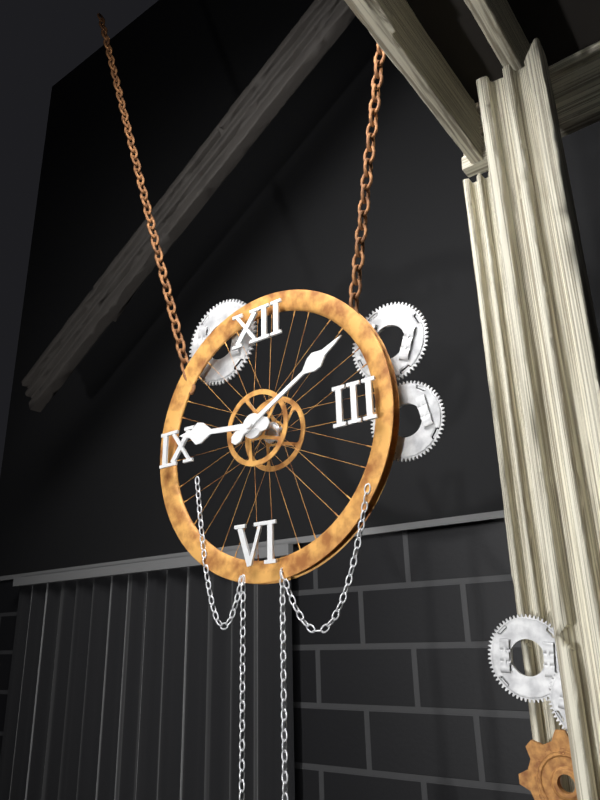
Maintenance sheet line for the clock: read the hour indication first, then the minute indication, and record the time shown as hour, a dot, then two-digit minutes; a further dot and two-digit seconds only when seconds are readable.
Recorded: 9.10
